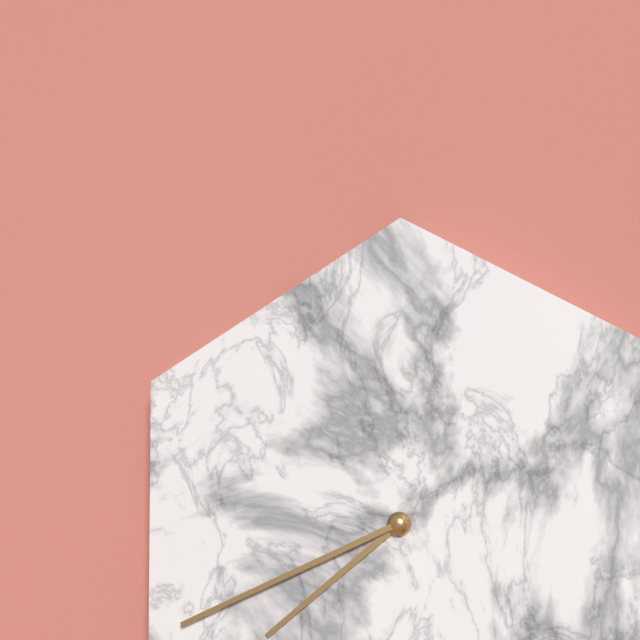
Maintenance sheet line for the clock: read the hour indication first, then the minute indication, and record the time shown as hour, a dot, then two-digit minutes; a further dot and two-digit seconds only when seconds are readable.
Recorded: 7.41
